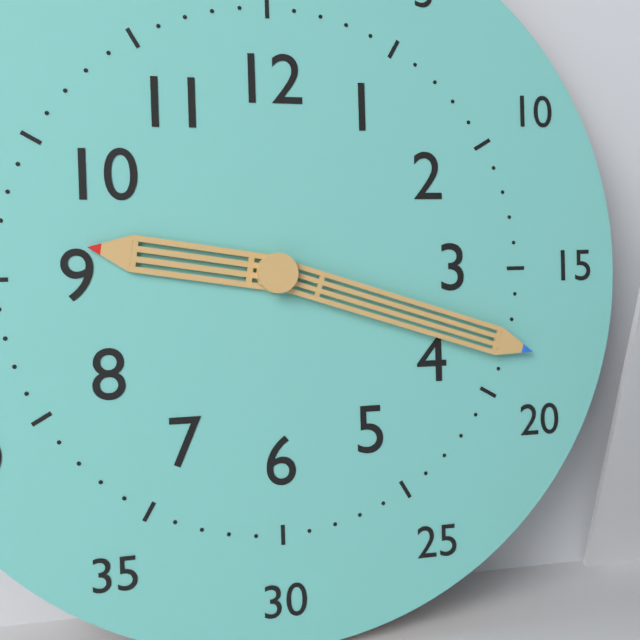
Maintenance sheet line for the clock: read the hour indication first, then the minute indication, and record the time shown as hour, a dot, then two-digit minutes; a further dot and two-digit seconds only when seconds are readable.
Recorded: 9.18
